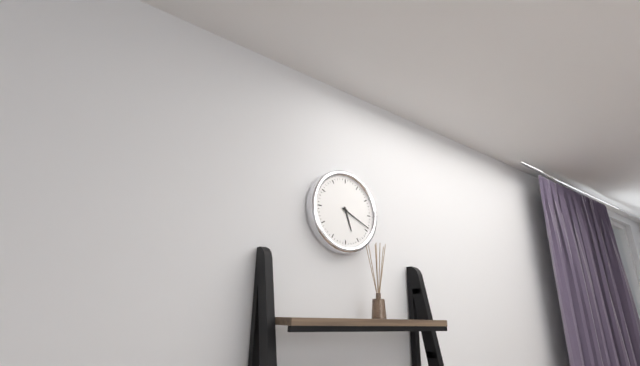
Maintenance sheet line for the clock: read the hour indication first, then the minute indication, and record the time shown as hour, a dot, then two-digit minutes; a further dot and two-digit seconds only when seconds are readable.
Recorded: 5.19
